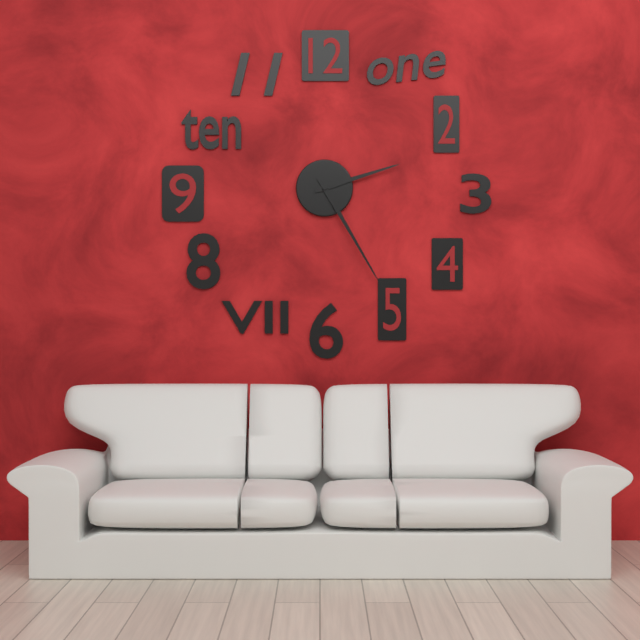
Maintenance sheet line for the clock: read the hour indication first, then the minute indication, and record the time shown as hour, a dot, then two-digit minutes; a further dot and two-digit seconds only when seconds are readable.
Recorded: 2.25
